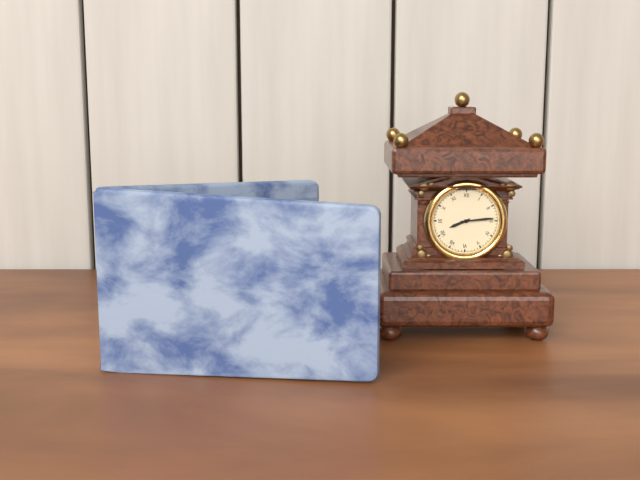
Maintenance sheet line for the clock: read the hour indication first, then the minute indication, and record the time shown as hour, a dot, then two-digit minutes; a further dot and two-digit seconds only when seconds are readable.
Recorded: 8.14
